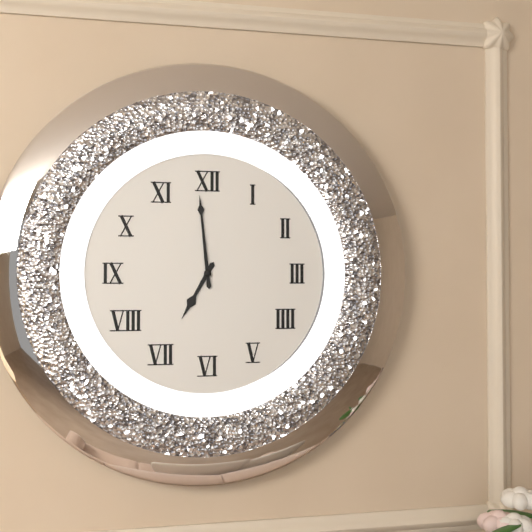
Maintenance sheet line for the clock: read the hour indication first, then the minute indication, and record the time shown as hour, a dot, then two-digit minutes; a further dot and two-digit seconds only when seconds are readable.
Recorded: 6.59
